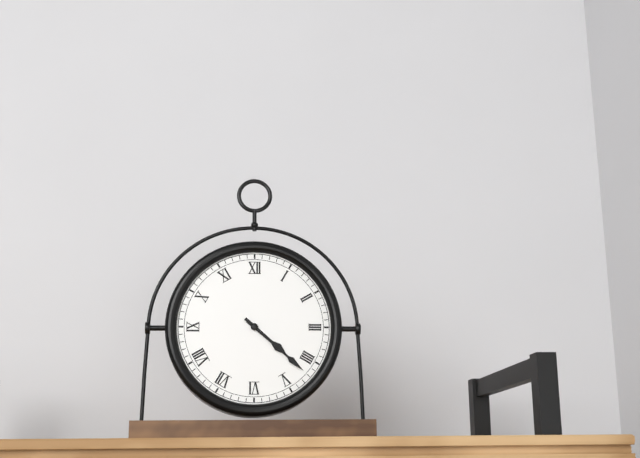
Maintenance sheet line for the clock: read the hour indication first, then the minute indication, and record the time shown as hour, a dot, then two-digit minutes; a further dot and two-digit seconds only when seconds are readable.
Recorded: 4.22
